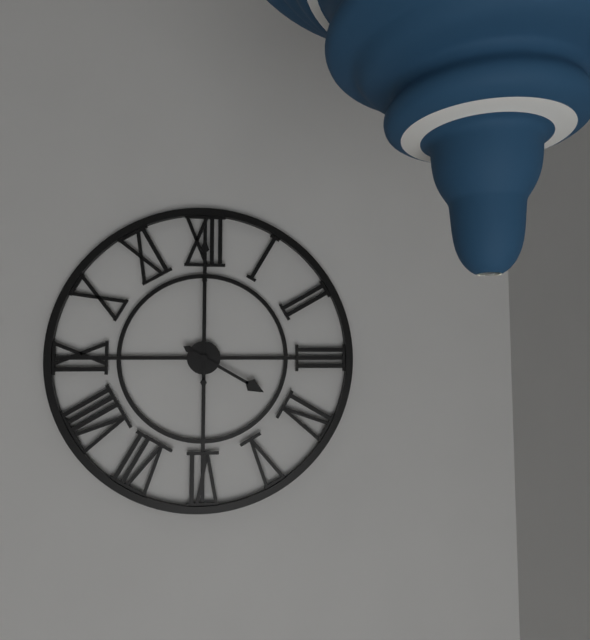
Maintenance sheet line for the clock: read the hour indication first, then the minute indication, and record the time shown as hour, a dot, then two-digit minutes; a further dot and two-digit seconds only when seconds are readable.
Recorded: 4.00
